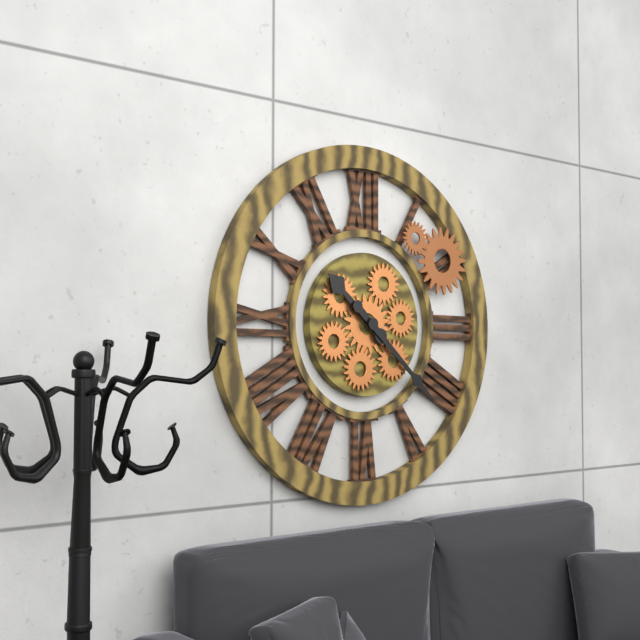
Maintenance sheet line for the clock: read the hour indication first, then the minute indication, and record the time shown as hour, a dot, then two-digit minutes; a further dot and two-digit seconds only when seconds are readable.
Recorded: 10.22
